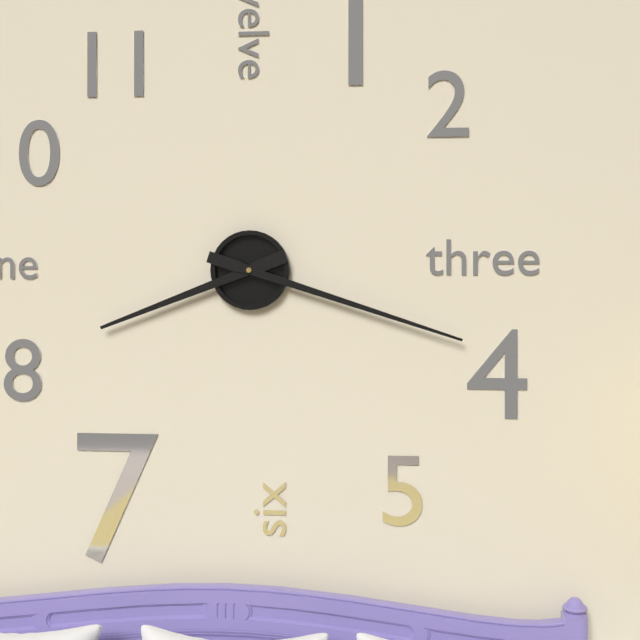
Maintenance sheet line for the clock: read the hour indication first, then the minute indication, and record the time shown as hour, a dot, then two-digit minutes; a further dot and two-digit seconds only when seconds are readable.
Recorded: 8.18
